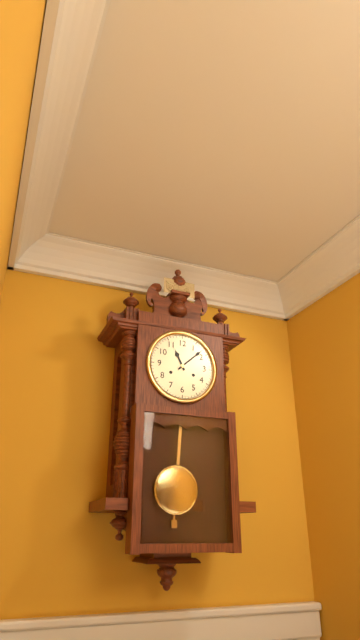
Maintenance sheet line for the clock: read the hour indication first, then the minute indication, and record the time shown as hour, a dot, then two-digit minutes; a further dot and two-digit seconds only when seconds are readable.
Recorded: 11.08
